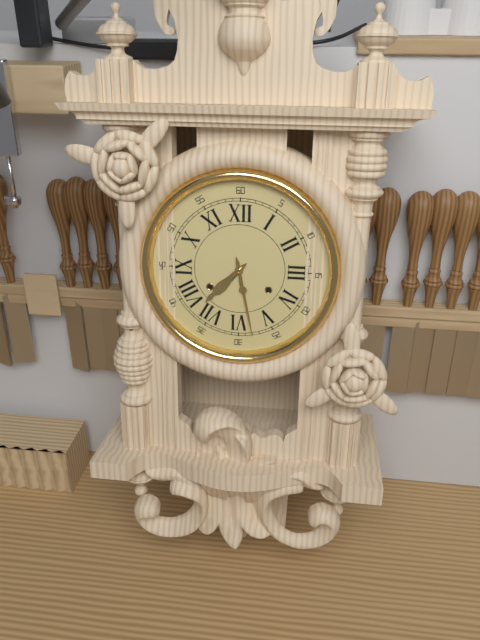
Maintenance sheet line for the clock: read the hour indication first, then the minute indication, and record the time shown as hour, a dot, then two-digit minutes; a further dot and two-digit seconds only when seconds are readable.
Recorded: 7.28
